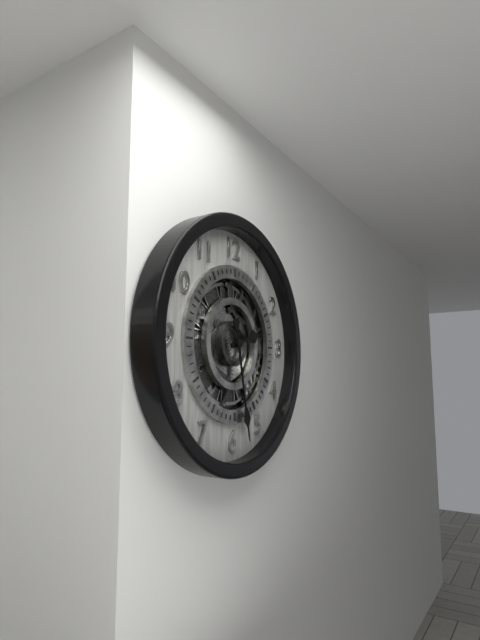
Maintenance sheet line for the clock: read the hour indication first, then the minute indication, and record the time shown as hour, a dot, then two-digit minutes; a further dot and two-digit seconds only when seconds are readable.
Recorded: 2.28
